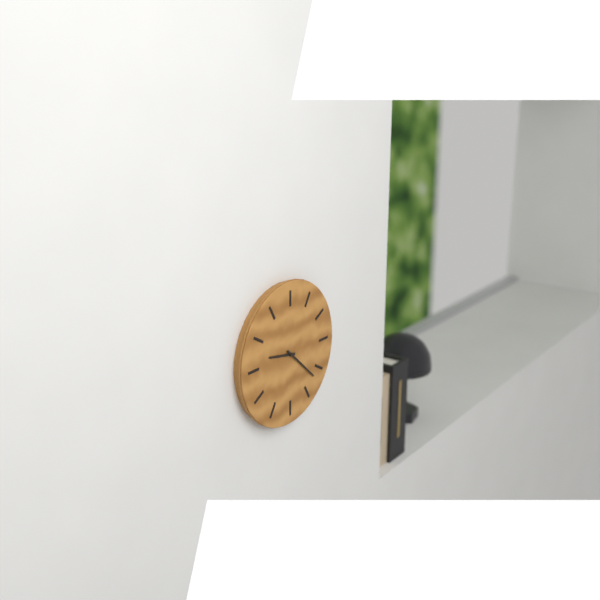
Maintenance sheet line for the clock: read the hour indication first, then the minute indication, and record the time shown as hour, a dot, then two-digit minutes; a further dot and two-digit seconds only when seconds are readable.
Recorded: 9.22
